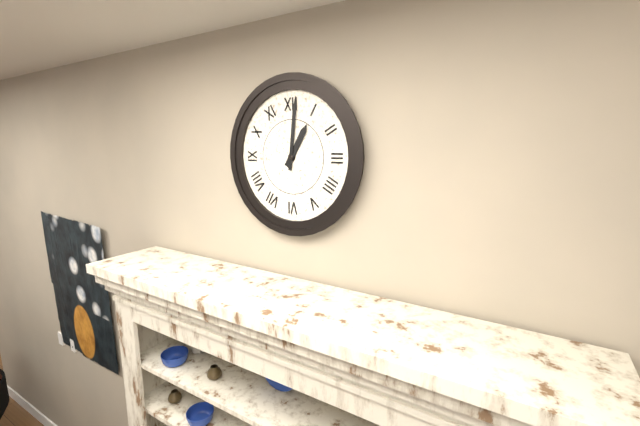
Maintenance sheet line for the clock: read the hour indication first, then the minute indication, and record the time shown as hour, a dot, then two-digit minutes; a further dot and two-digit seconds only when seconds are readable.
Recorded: 1.01
